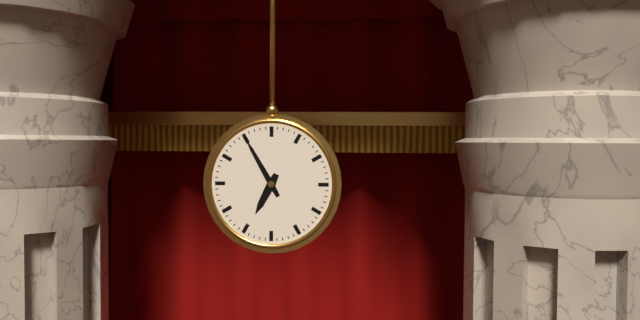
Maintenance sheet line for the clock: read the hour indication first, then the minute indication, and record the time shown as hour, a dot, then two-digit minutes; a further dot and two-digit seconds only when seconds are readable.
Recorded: 6.55
